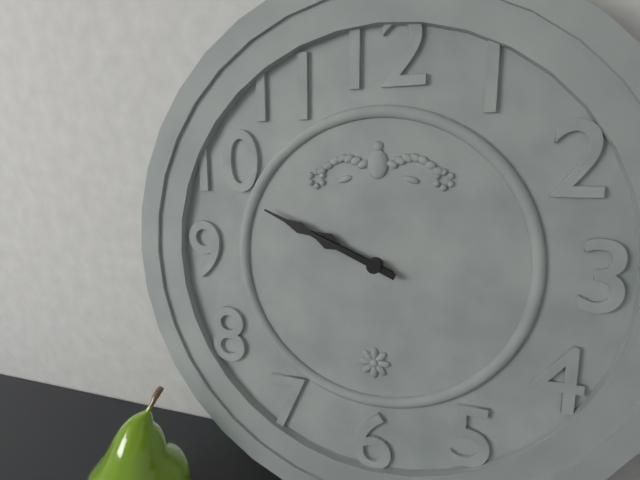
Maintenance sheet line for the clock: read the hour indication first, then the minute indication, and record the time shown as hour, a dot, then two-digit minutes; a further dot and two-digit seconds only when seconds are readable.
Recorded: 9.49
